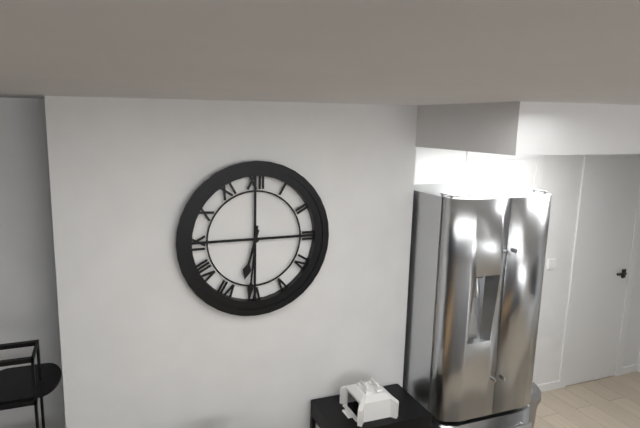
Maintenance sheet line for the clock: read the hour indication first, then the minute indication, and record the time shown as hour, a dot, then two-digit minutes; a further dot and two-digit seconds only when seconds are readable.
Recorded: 6.31
